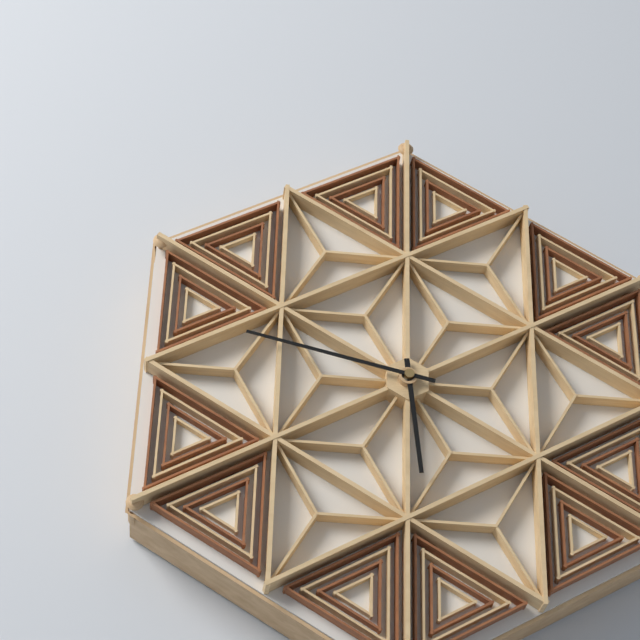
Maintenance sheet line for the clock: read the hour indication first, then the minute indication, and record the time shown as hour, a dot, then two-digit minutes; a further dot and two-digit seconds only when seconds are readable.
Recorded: 5.47
